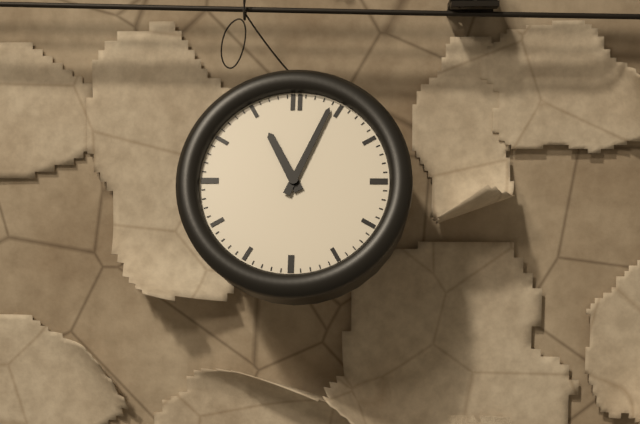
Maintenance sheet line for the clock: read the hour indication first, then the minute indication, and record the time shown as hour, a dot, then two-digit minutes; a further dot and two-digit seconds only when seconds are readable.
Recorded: 11.04
